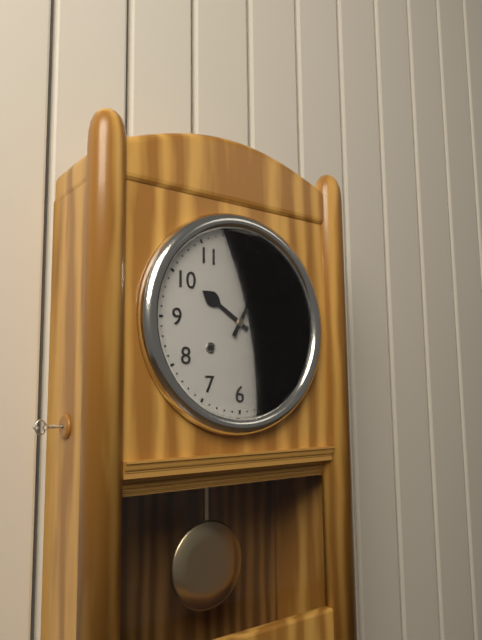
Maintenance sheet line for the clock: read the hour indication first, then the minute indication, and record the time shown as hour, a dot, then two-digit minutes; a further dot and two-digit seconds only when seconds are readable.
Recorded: 10.05
